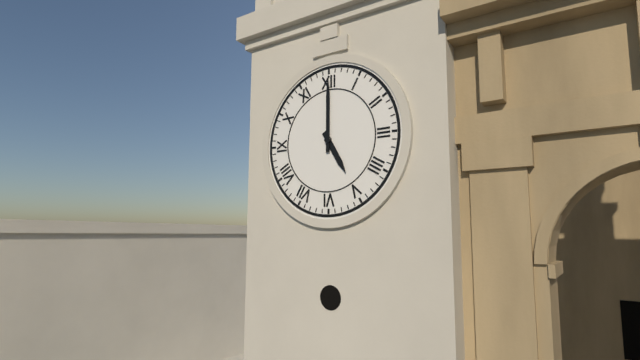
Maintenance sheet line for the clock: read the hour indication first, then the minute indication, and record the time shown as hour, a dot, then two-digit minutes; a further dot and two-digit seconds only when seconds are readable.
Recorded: 5.00
